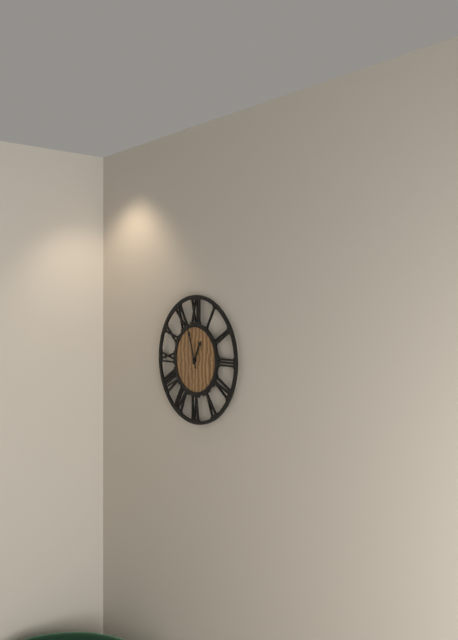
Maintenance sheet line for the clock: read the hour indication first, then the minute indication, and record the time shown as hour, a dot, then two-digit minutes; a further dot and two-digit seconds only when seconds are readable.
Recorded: 12.57
